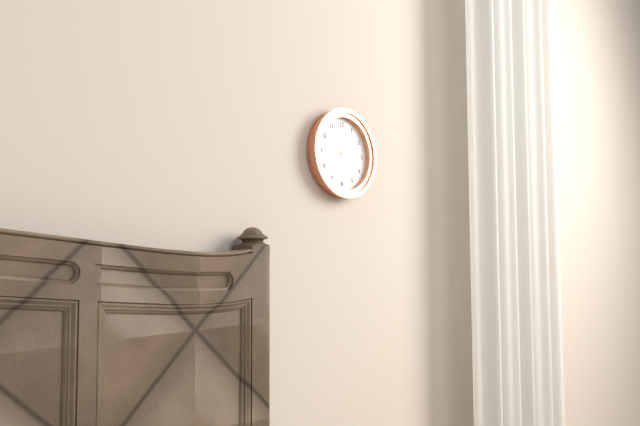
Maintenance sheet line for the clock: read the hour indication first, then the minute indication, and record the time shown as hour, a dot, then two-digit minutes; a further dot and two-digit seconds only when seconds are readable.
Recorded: 7.41
